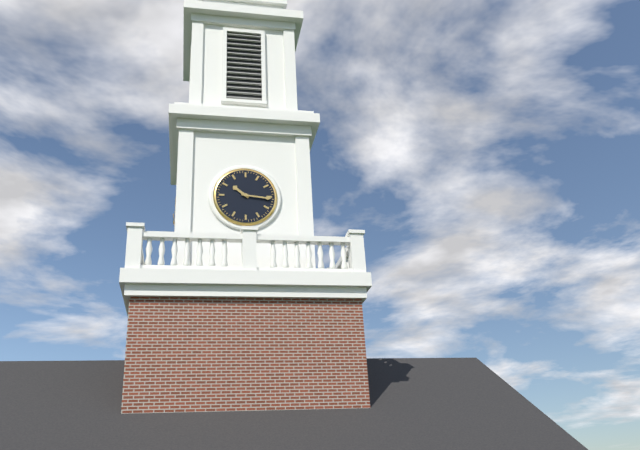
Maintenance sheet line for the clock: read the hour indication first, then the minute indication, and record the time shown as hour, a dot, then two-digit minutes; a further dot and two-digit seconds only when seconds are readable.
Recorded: 10.16
